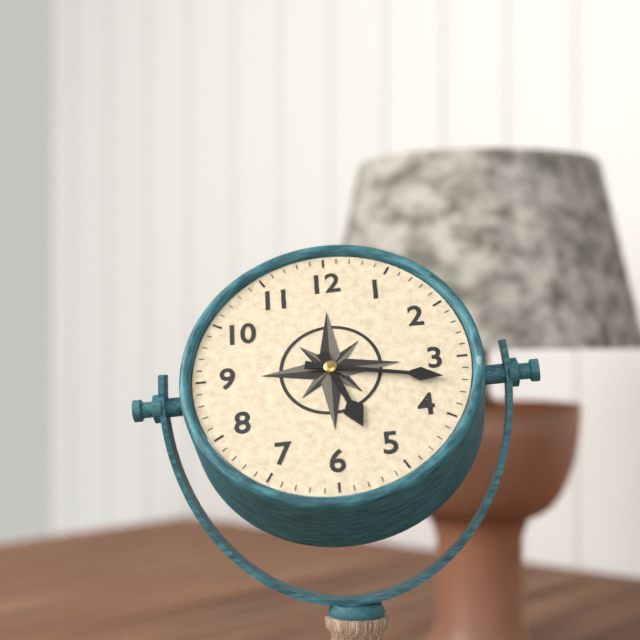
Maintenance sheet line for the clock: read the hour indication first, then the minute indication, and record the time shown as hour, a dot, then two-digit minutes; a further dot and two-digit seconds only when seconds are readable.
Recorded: 5.17
